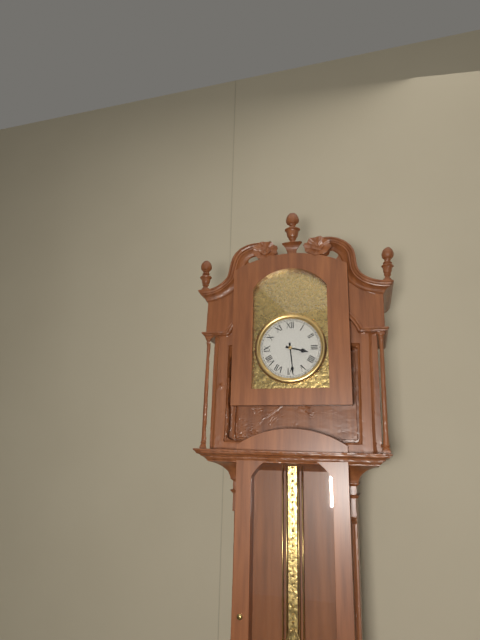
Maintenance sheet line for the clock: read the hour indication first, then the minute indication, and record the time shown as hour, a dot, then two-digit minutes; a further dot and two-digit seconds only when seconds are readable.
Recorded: 3.29
